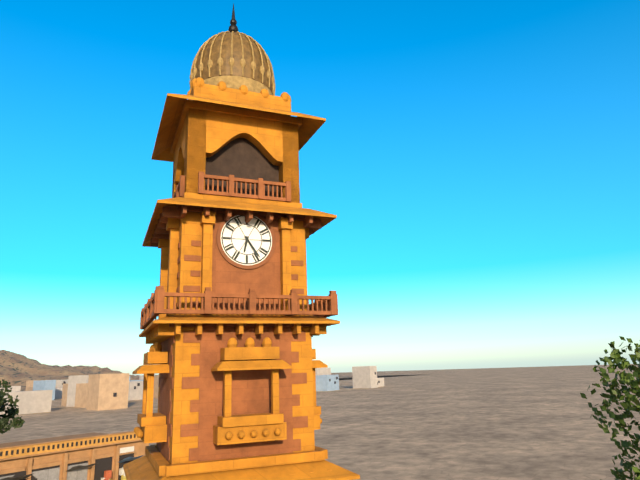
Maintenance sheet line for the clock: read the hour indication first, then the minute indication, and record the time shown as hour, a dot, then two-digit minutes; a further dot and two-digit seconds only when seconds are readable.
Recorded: 6.24
